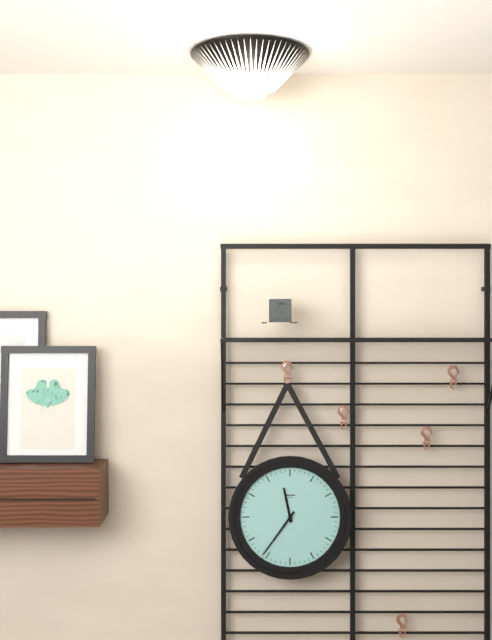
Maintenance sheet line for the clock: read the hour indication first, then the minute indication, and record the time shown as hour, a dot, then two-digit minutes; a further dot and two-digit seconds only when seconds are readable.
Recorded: 11.36
